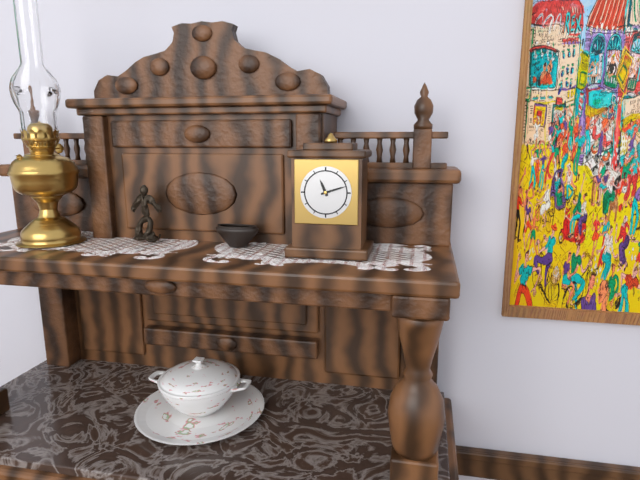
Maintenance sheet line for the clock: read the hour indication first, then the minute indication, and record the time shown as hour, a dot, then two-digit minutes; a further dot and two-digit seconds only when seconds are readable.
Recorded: 11.12
